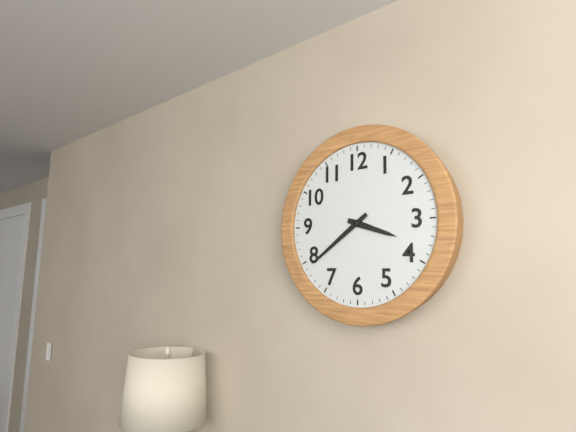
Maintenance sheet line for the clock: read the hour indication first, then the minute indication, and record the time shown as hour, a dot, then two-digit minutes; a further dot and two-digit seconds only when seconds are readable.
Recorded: 3.39
